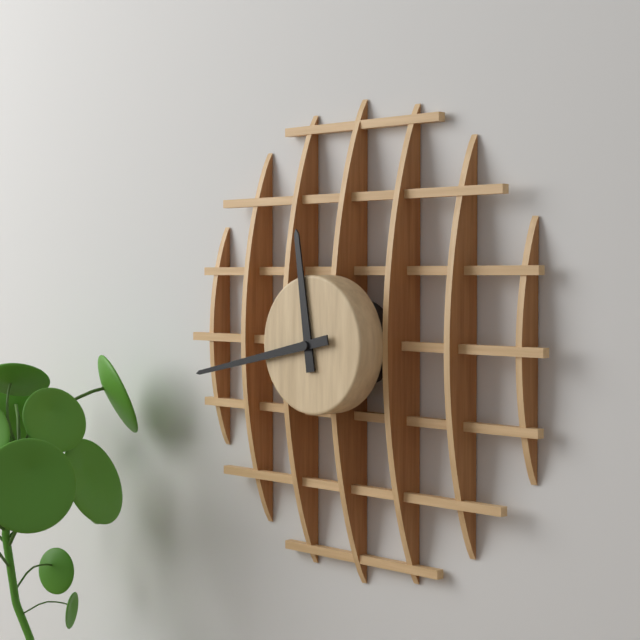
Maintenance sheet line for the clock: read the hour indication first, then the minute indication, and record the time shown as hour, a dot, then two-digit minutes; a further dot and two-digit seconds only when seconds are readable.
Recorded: 11.43
